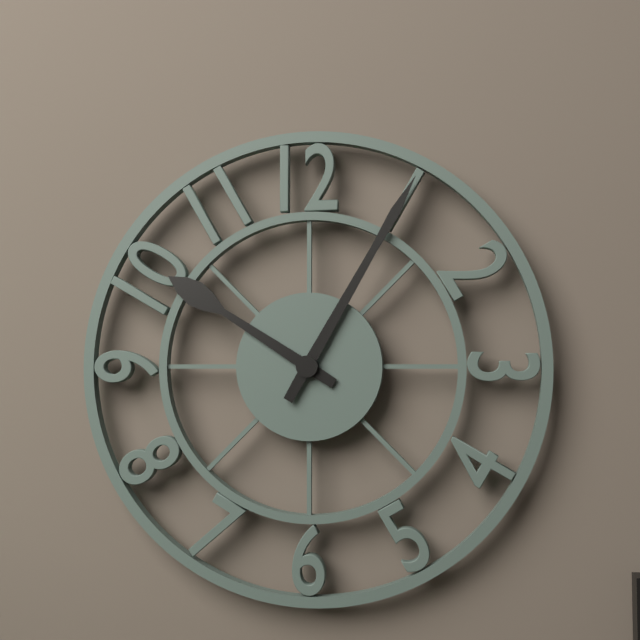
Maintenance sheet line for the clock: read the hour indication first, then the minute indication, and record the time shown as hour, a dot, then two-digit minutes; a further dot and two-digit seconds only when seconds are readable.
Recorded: 10.05
